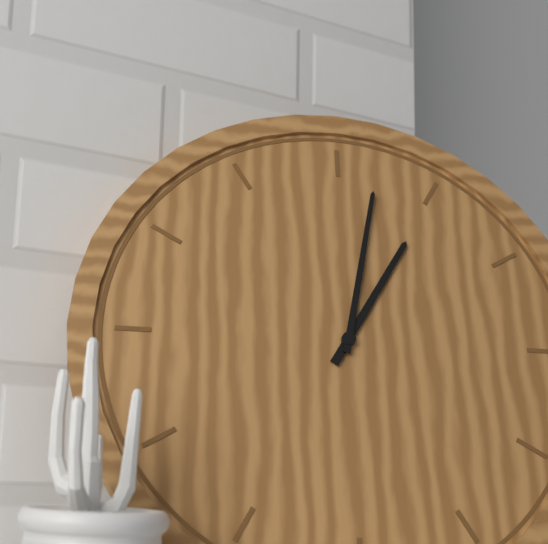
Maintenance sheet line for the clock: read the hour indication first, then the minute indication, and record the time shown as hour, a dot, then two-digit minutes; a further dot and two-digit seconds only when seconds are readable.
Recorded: 1.02
